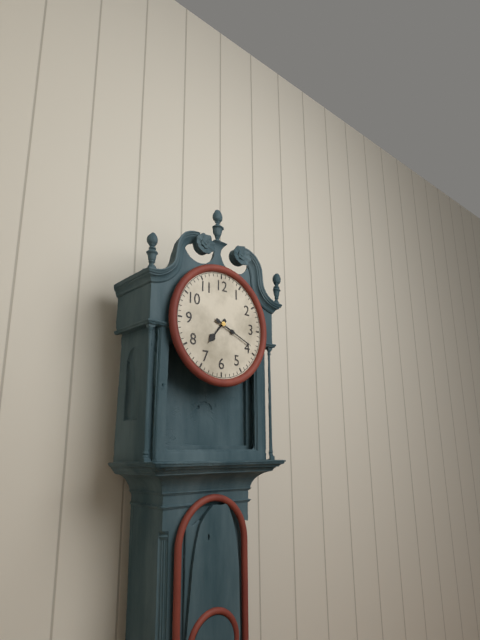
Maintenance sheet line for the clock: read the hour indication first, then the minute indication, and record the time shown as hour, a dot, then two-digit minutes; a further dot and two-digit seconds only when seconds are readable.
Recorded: 7.19
